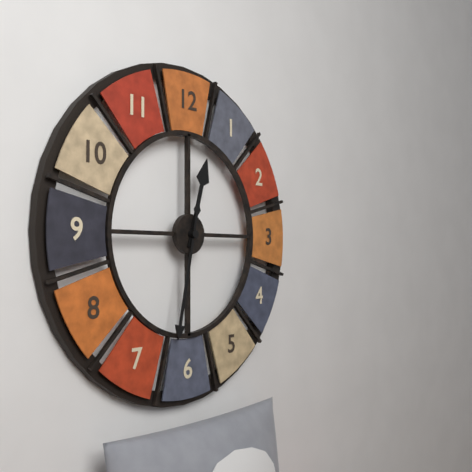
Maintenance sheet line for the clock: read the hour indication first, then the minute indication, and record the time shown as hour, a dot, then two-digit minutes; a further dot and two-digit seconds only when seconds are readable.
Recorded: 12.32
